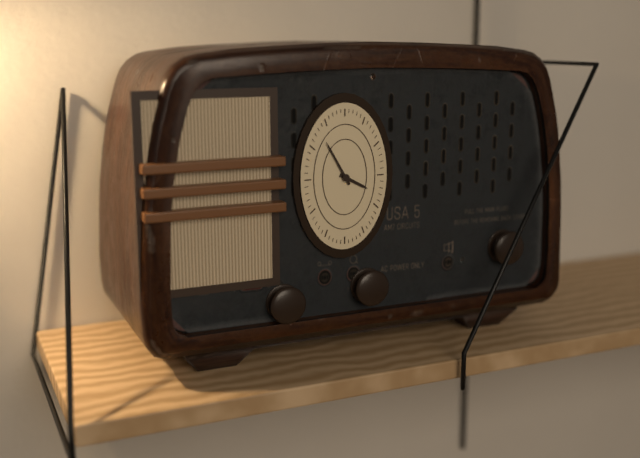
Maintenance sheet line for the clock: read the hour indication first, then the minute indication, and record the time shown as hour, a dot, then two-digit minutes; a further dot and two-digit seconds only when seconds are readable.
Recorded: 3.55
